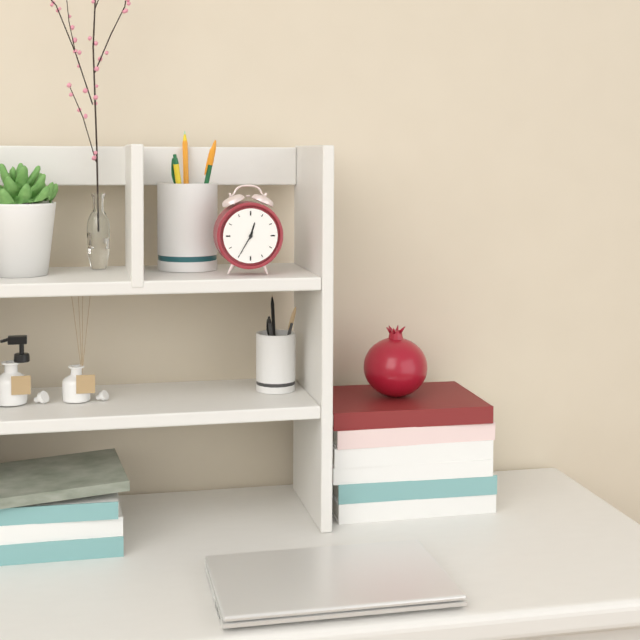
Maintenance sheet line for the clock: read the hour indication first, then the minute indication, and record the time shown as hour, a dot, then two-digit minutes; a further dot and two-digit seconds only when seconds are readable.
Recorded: 12.35
